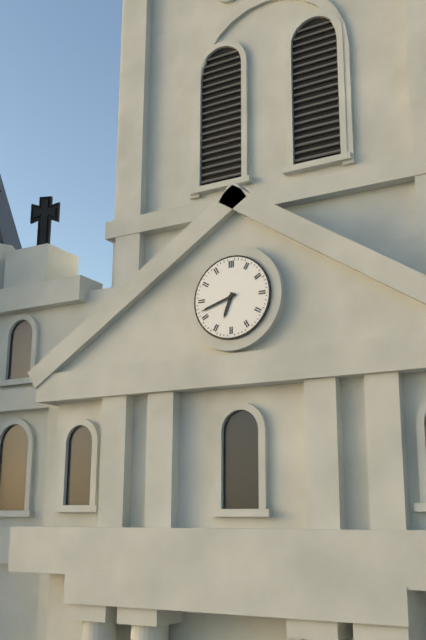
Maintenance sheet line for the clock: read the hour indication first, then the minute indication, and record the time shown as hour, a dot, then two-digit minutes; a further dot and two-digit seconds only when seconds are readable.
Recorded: 6.42
